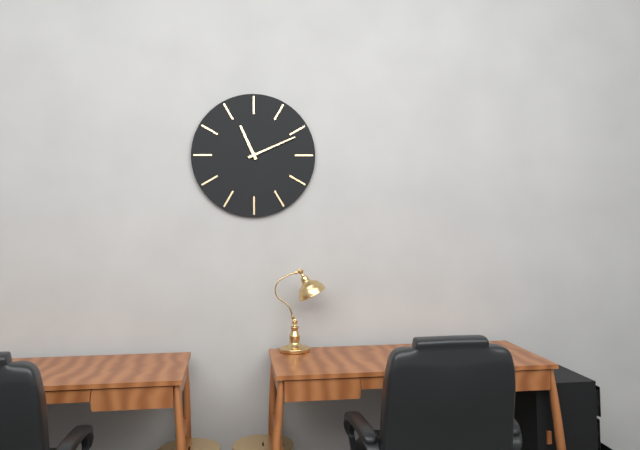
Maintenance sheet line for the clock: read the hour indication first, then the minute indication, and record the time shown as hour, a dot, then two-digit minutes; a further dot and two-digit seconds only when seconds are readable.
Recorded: 11.11
